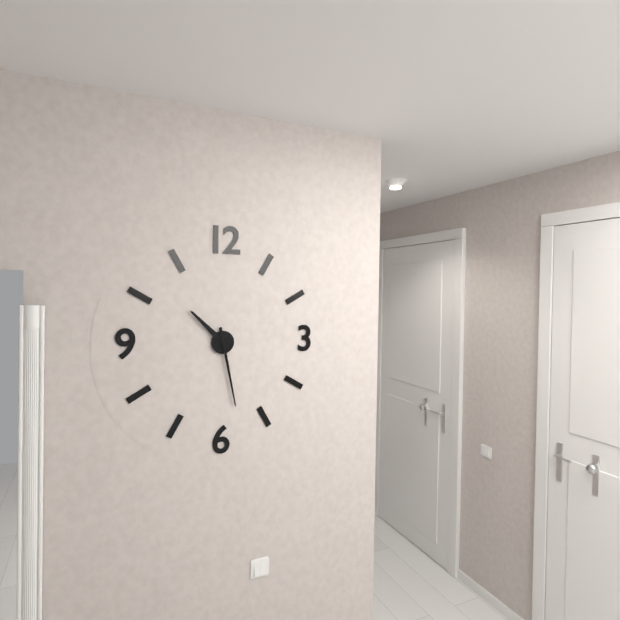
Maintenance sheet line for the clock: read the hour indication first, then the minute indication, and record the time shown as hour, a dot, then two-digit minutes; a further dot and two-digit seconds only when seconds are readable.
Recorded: 10.28
